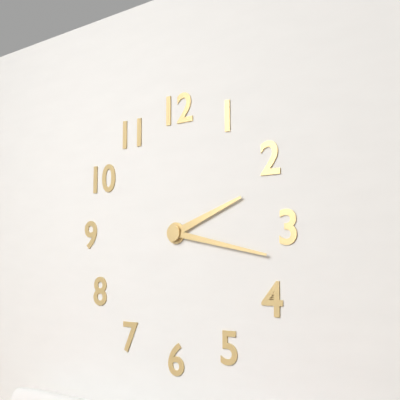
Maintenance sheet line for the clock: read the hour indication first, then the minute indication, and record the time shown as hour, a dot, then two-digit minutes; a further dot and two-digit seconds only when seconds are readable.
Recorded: 2.17
